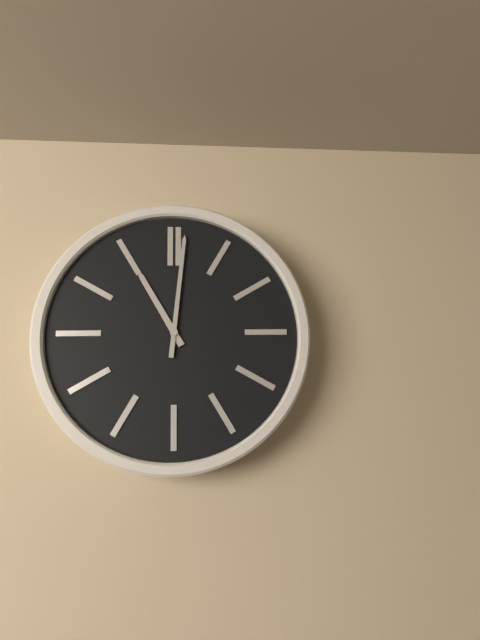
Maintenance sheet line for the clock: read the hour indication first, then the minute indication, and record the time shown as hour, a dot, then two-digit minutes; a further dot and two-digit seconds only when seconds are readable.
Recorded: 11.01
